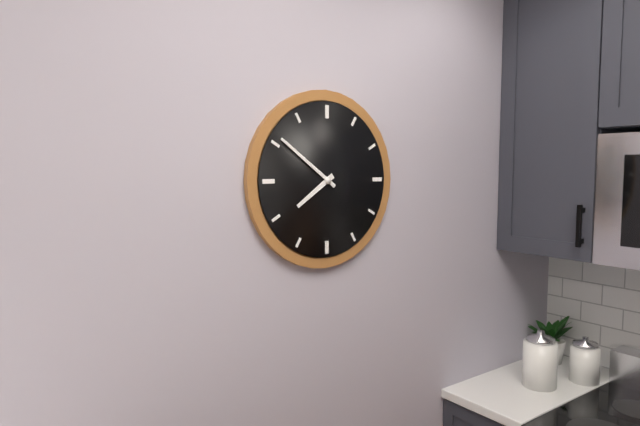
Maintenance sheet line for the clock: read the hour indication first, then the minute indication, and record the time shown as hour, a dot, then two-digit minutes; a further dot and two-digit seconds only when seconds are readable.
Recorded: 7.51
